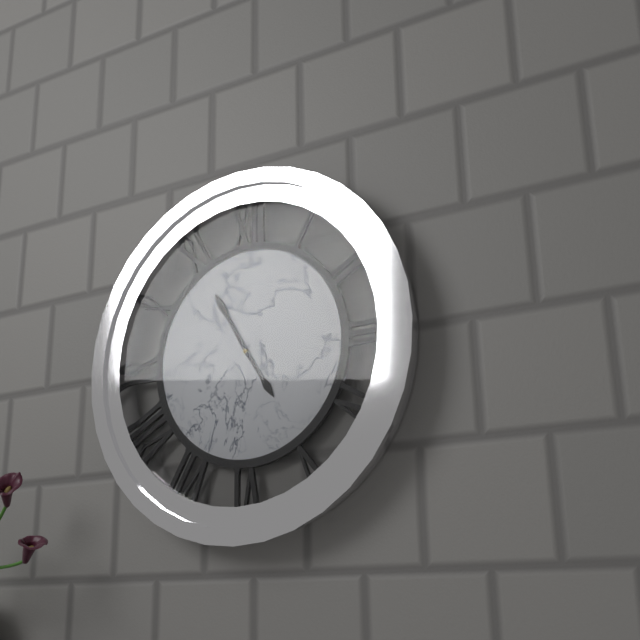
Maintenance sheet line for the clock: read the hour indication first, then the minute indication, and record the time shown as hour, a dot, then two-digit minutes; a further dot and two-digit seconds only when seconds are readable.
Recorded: 4.55
